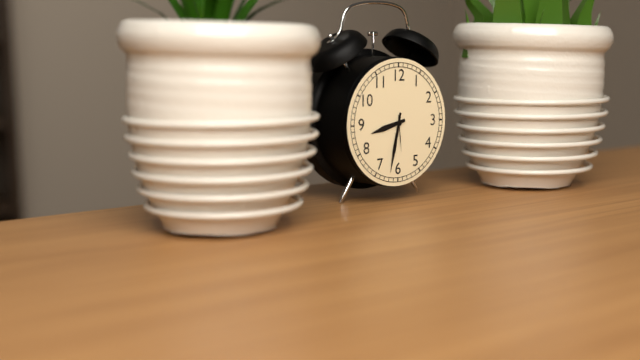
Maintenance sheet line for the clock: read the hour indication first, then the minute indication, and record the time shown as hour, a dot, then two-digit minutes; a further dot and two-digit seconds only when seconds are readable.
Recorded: 8.32
